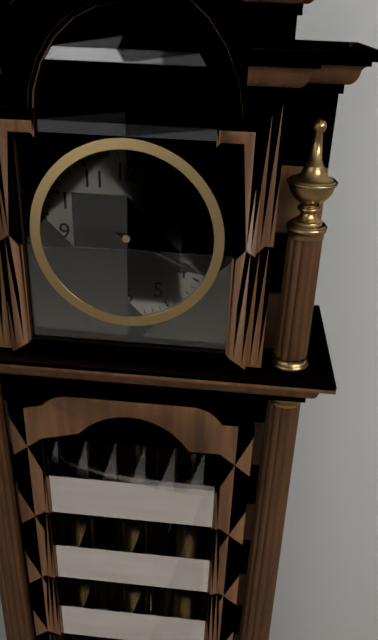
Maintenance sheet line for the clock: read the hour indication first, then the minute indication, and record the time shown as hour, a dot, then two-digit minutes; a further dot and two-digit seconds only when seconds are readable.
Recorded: 2.19
